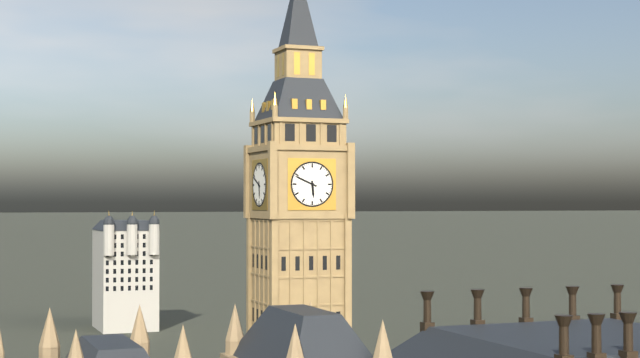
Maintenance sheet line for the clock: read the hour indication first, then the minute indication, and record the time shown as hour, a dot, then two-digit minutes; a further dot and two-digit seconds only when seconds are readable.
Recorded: 5.49
